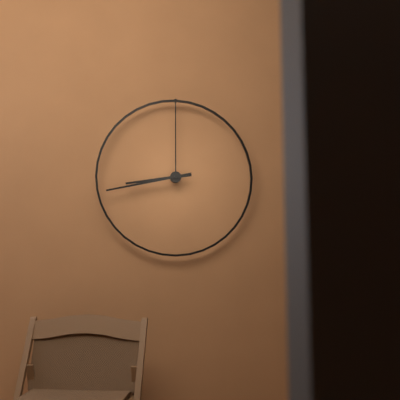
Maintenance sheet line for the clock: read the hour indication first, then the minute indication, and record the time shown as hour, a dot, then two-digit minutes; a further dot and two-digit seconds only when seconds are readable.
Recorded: 8.43
